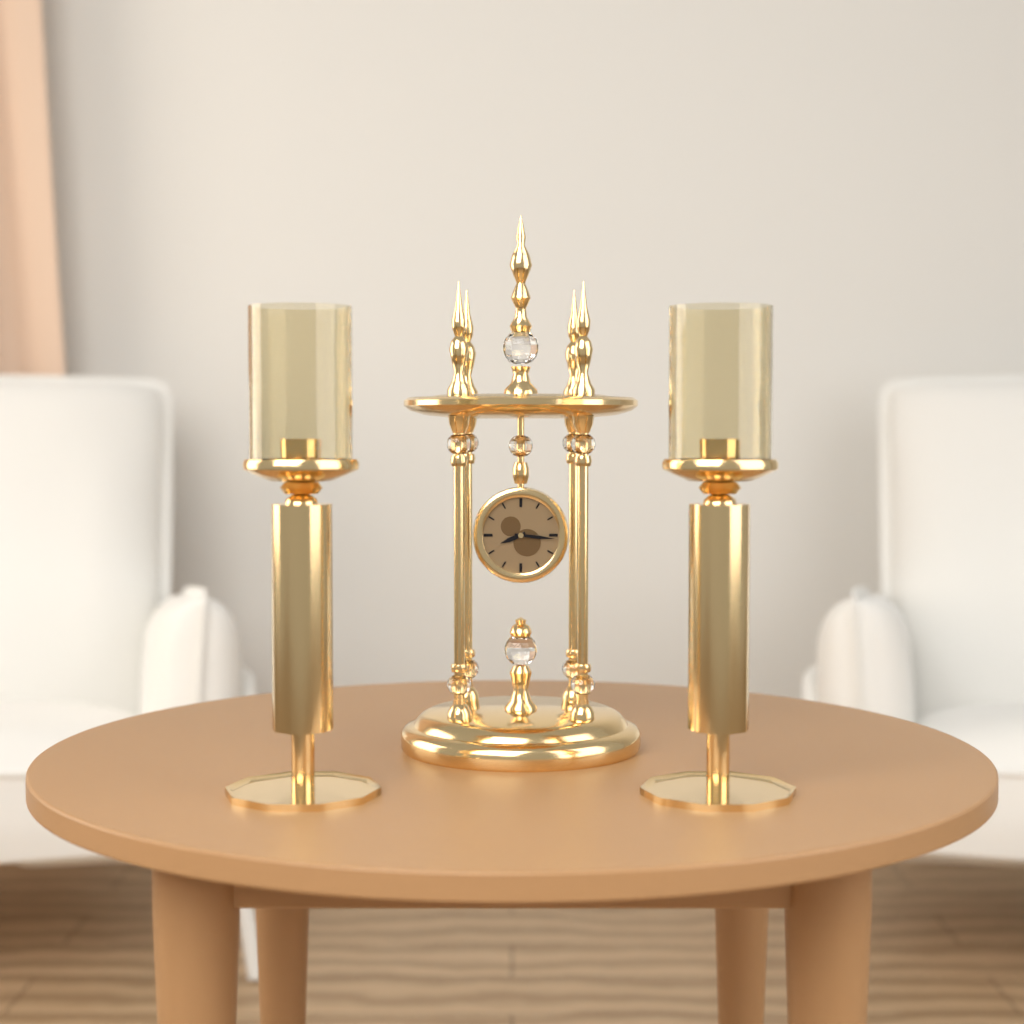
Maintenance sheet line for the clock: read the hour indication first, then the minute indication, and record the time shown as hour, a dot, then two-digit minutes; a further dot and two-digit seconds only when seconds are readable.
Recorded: 8.16
